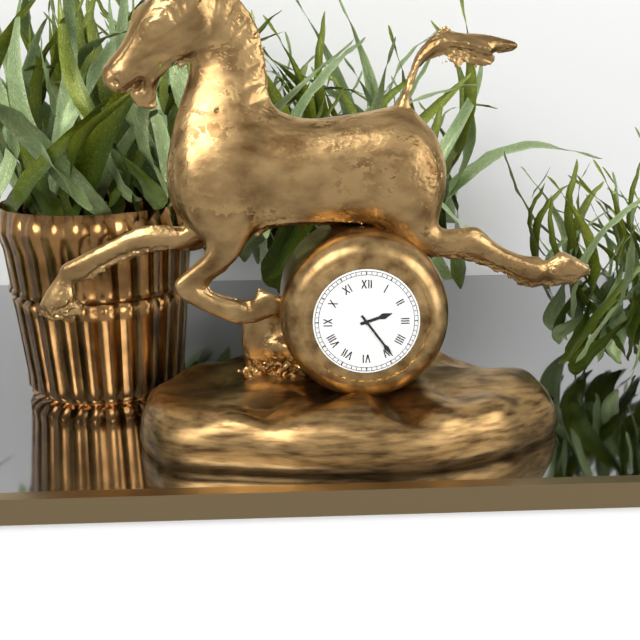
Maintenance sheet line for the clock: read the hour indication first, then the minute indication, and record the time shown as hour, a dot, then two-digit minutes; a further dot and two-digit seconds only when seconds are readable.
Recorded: 2.24
